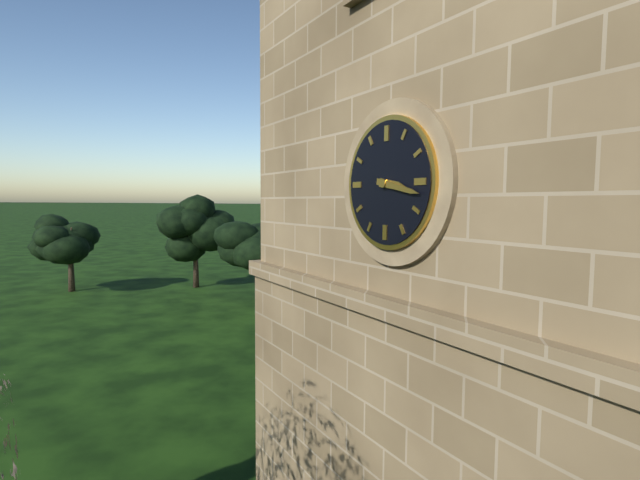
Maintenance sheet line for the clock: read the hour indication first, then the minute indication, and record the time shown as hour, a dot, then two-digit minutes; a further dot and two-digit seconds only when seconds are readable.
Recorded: 3.17
